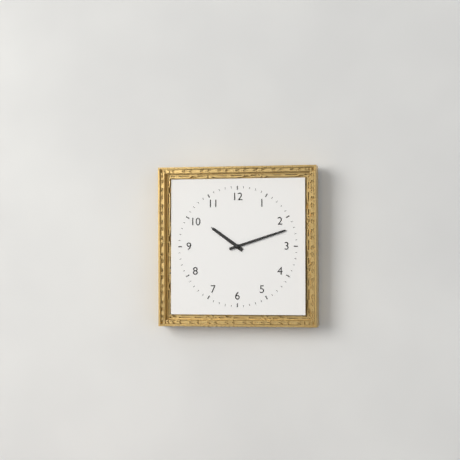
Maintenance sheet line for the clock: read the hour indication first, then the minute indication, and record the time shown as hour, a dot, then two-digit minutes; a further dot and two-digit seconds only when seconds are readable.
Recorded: 10.12
